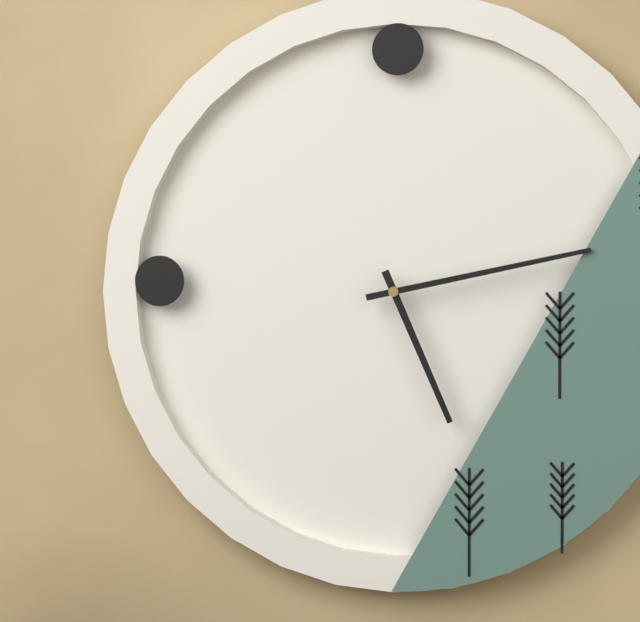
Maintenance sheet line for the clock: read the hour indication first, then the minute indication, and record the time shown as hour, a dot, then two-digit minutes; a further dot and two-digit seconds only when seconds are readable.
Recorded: 5.13
